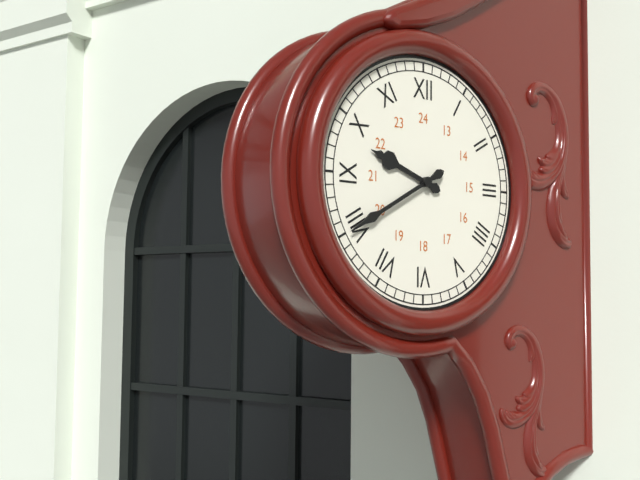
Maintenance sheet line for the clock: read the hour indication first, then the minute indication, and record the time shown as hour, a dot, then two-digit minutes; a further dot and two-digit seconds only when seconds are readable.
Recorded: 9.40
